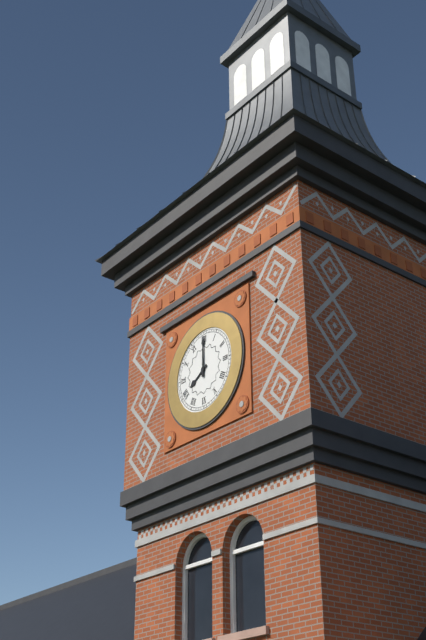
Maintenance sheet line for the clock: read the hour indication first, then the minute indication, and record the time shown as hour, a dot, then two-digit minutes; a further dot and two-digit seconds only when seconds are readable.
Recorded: 8.00
